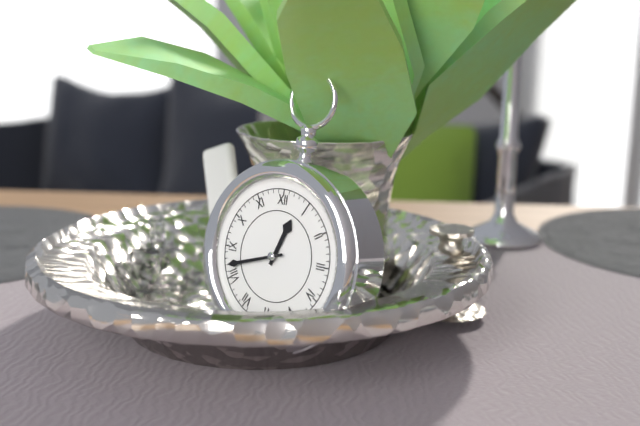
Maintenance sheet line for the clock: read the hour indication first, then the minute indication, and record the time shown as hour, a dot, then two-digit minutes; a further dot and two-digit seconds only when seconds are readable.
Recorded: 12.42
